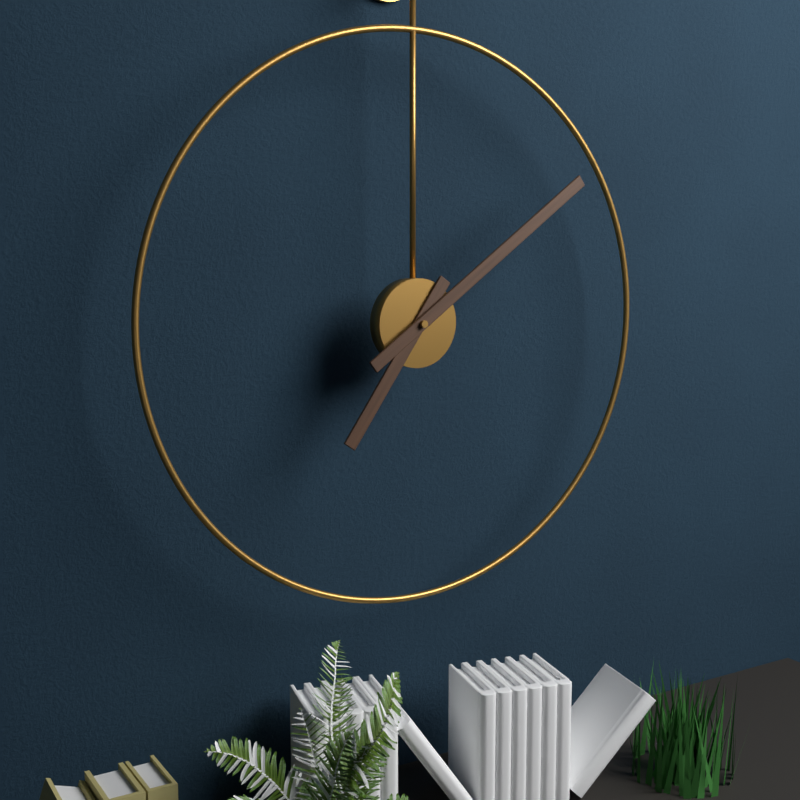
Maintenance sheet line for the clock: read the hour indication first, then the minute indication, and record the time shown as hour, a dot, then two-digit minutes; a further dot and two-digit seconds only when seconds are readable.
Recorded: 7.09
